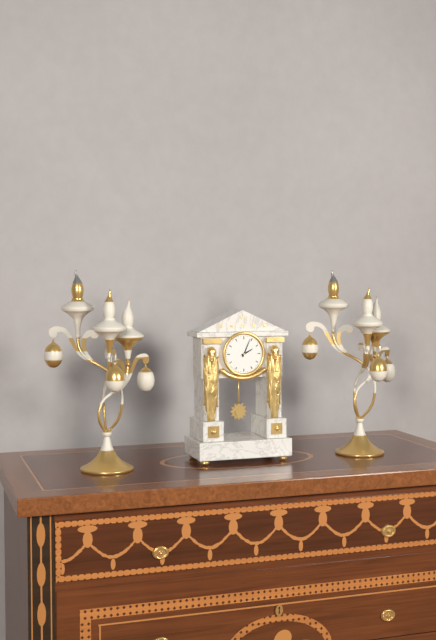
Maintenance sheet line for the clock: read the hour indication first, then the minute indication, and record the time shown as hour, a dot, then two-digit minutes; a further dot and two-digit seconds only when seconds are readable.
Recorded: 2.04
